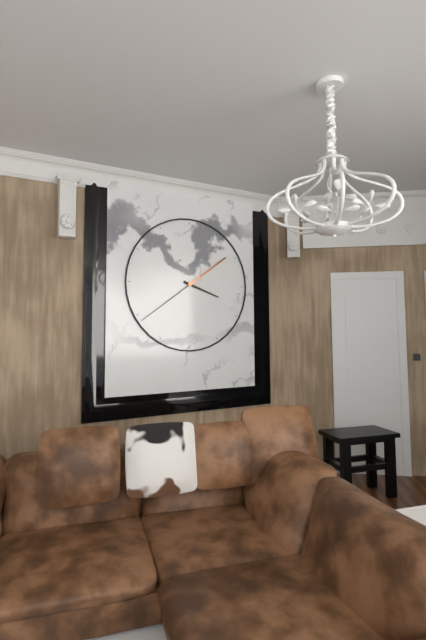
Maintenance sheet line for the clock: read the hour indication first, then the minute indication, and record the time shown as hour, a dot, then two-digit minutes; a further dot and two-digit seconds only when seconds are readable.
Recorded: 3.39
